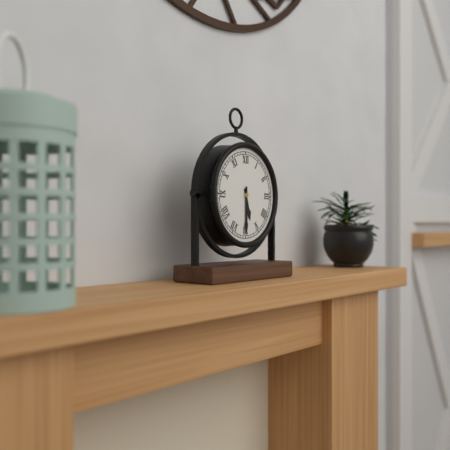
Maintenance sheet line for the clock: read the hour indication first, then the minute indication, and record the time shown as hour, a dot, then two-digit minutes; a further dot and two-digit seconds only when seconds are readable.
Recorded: 5.30
